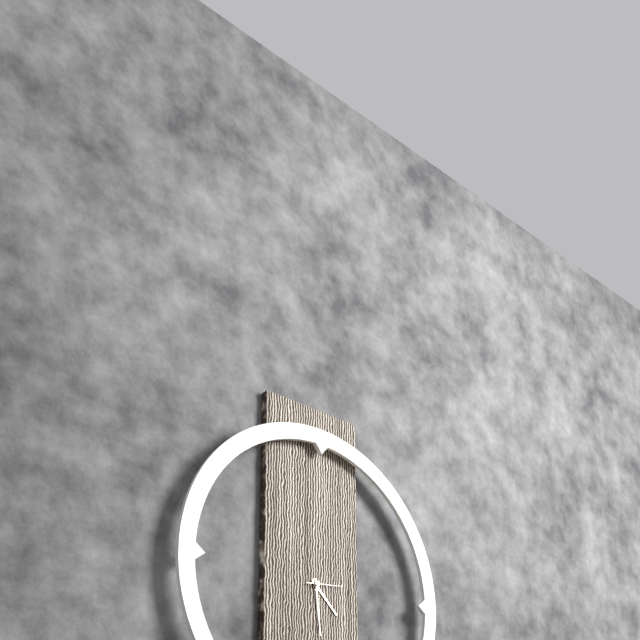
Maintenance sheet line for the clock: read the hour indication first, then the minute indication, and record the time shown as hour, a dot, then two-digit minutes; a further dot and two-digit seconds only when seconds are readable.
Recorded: 4.29
